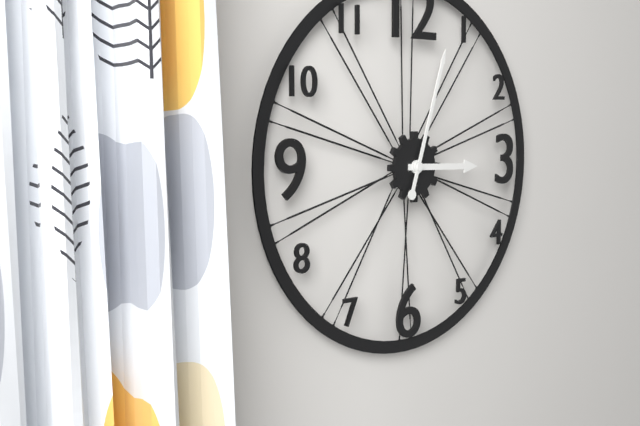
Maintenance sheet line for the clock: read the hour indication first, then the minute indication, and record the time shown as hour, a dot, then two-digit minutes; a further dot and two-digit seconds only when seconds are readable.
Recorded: 3.03
